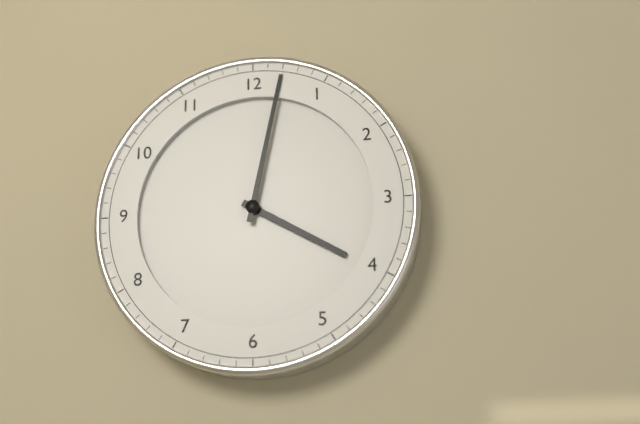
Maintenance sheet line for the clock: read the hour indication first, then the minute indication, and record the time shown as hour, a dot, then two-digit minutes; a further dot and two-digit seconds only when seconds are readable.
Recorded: 4.02
